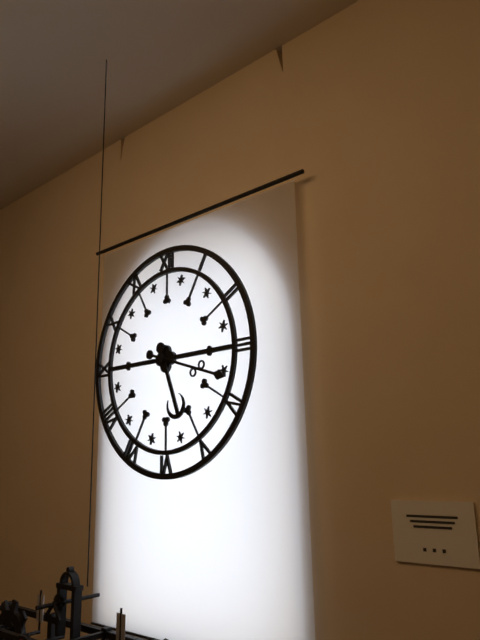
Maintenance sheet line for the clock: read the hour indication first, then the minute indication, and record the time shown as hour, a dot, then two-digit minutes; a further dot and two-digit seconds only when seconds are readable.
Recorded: 5.18
